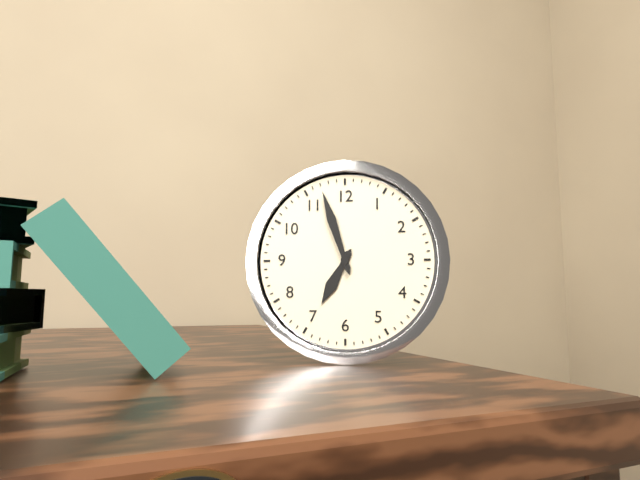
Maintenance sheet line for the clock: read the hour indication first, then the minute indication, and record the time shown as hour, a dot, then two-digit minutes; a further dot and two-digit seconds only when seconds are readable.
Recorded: 6.57
